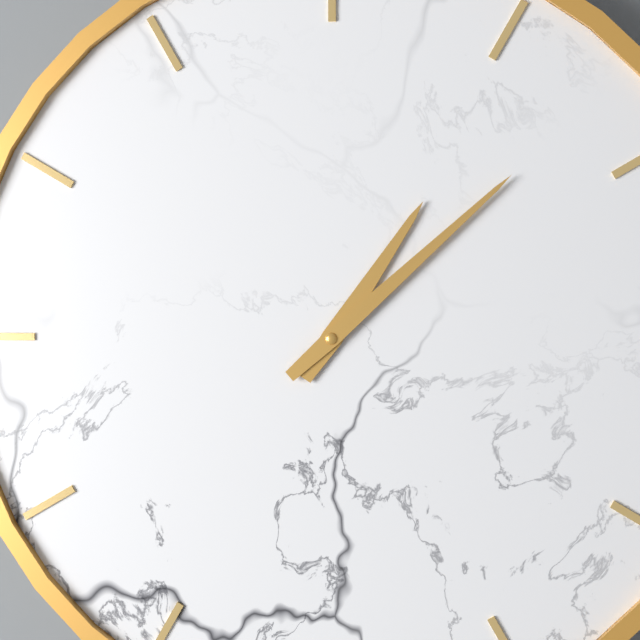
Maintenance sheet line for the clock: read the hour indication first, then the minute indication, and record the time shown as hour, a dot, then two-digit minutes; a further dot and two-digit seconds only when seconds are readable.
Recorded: 1.08
